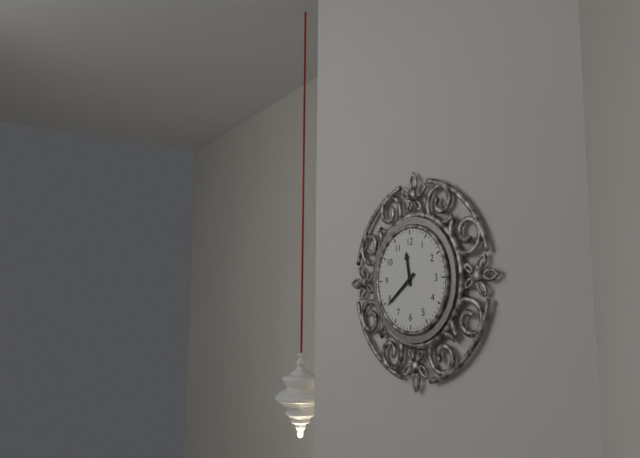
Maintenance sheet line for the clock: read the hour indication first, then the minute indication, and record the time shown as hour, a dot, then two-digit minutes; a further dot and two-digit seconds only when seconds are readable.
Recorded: 11.39
